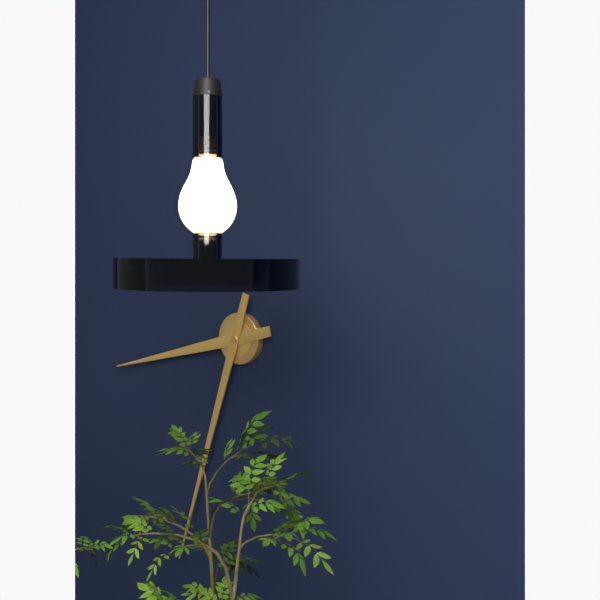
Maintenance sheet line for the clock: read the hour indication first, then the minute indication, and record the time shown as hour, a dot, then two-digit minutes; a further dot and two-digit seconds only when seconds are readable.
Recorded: 8.33
